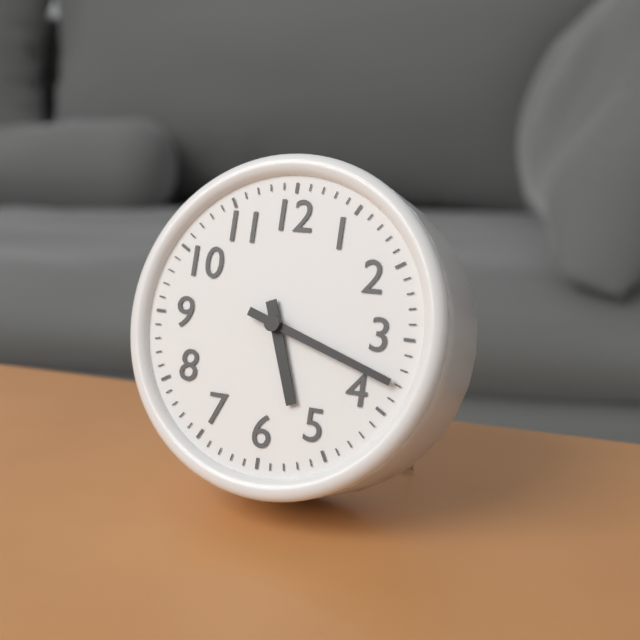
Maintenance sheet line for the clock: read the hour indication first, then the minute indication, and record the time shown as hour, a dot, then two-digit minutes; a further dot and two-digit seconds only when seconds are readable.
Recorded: 5.18
